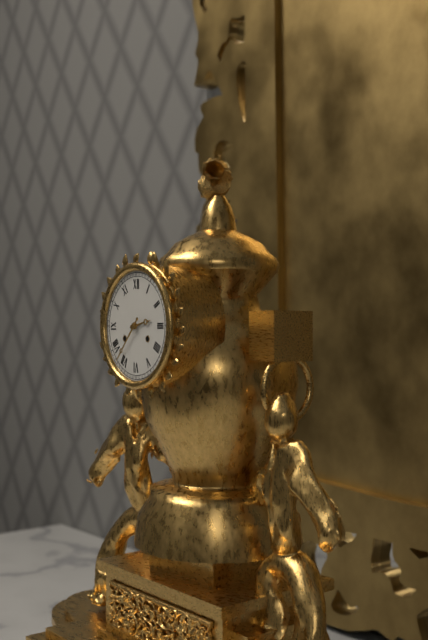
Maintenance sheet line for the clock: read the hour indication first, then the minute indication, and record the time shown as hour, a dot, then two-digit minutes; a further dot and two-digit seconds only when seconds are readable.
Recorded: 2.37
